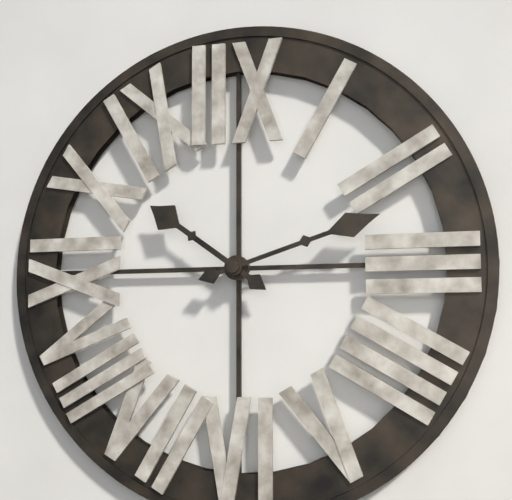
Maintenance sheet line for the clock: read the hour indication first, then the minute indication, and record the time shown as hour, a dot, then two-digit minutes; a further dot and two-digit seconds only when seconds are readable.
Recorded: 10.12
